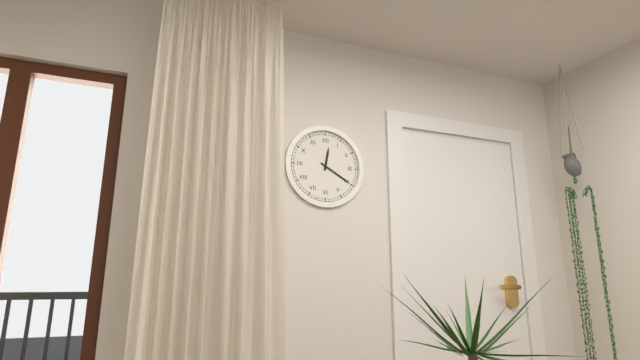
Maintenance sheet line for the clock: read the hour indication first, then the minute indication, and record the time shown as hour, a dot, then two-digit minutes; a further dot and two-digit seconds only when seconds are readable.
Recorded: 12.20
